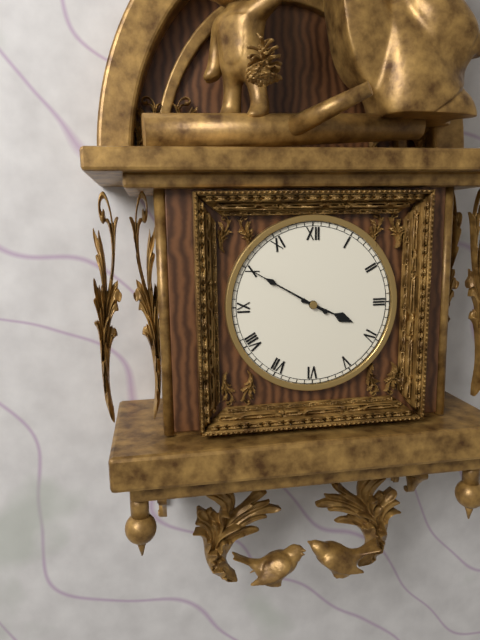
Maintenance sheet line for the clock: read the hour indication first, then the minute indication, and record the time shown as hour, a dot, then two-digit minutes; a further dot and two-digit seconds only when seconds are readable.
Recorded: 3.50
